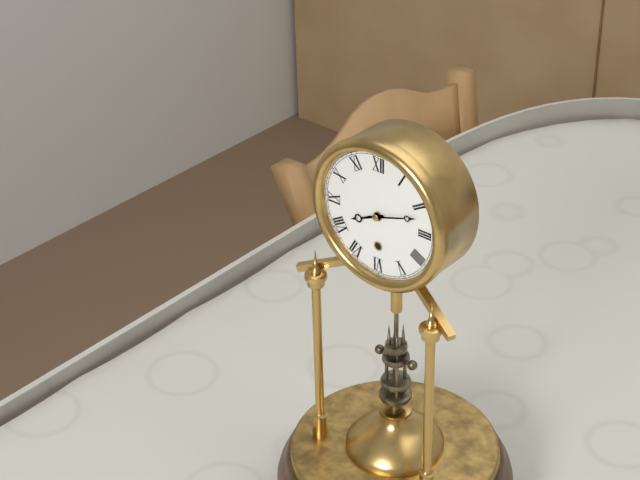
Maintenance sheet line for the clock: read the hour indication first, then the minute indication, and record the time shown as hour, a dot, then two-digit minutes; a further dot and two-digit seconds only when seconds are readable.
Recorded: 8.12
